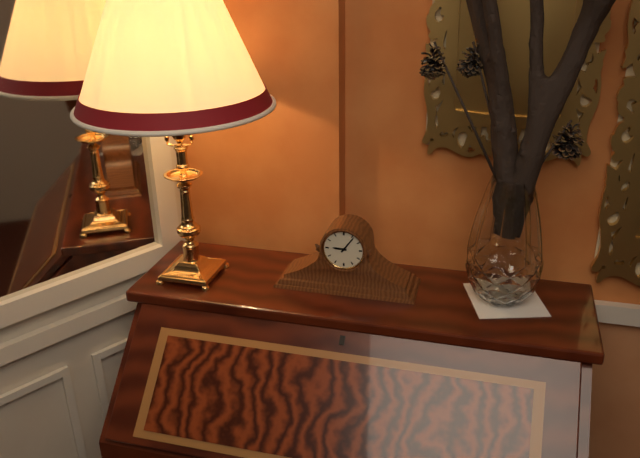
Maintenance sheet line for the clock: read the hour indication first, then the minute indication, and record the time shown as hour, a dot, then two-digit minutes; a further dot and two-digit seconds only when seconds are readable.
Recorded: 9.06
